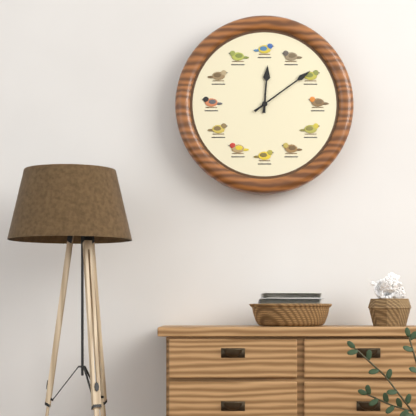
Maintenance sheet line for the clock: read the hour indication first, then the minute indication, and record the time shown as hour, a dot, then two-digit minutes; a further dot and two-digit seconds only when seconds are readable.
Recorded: 12.09
